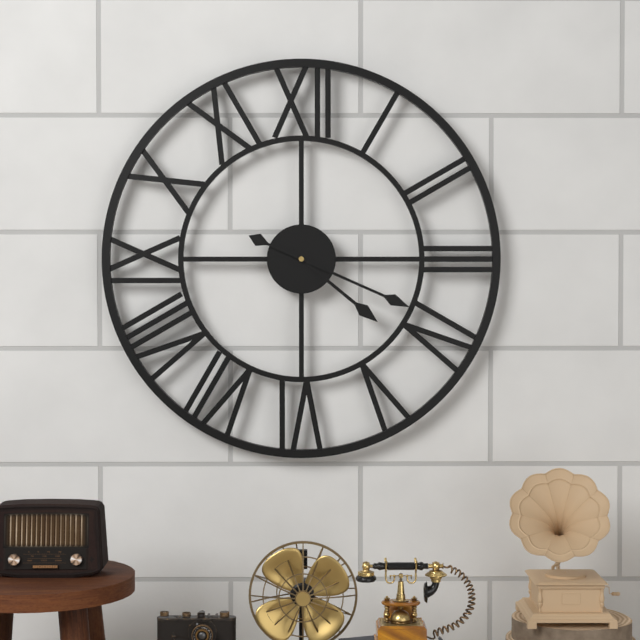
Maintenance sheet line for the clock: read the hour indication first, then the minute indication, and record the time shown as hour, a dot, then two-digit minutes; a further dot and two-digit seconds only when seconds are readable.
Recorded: 4.19
